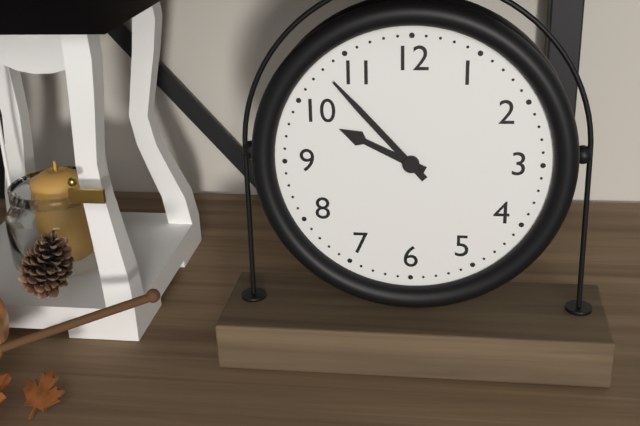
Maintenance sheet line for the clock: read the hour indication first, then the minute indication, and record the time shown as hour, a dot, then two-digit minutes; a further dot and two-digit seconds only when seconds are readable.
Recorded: 9.53
